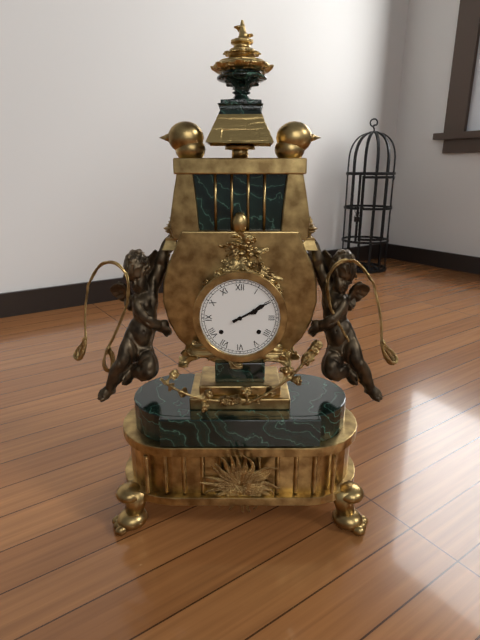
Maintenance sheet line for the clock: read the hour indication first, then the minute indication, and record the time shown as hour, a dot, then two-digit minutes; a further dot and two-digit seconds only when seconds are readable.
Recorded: 2.10
